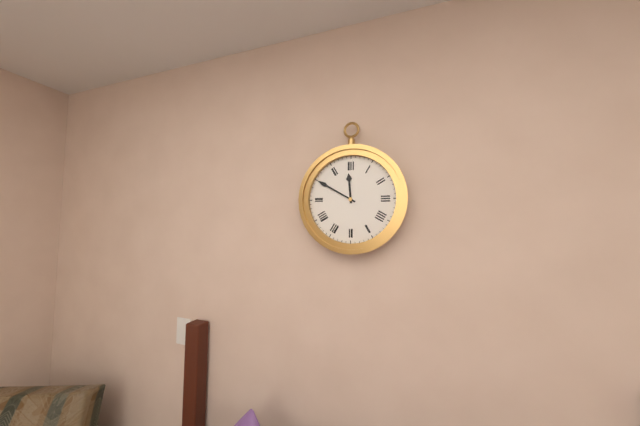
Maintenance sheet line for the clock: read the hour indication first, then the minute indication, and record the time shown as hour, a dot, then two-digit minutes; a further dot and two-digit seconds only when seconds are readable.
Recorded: 11.50
